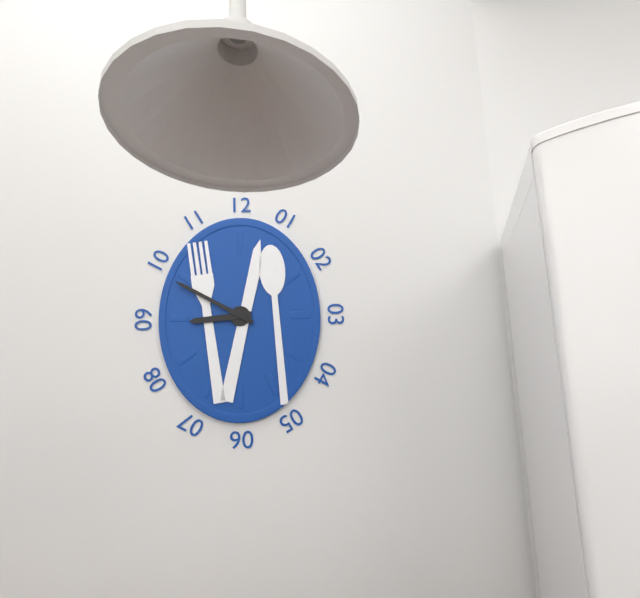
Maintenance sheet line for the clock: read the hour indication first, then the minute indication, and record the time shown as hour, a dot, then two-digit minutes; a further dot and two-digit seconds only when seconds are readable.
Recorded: 8.50
